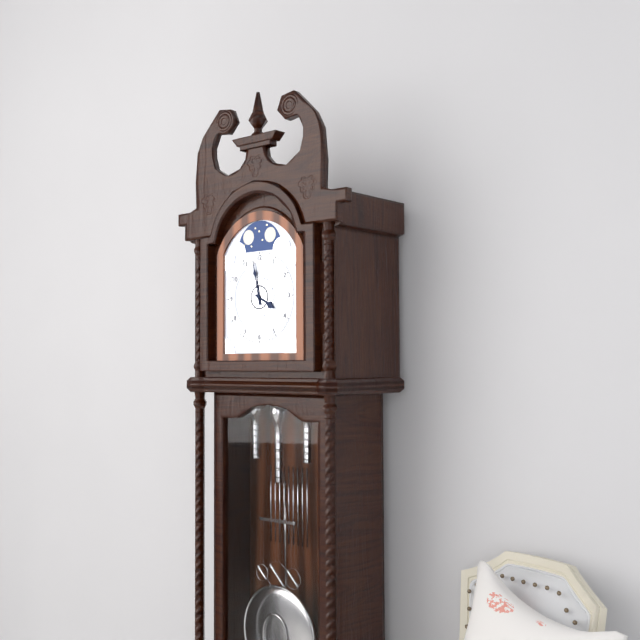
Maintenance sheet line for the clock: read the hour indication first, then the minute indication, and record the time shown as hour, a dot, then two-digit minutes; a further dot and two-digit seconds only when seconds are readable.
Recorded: 3.58
